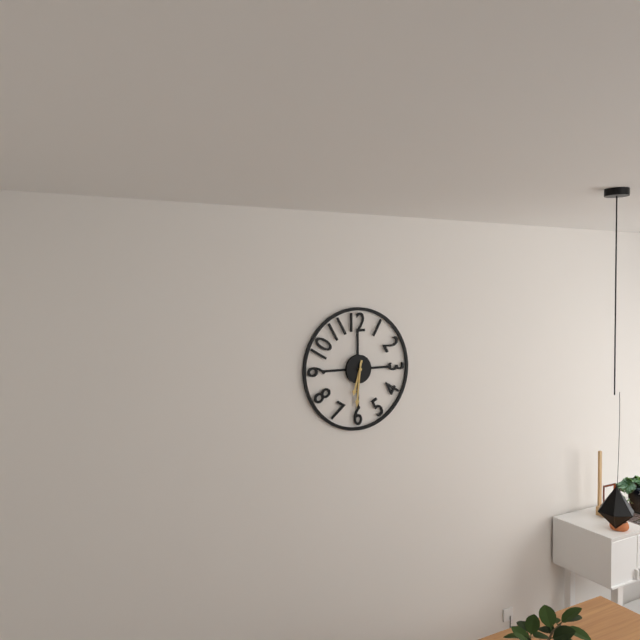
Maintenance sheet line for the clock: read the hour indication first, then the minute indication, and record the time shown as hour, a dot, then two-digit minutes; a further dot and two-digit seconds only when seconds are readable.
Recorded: 6.31
